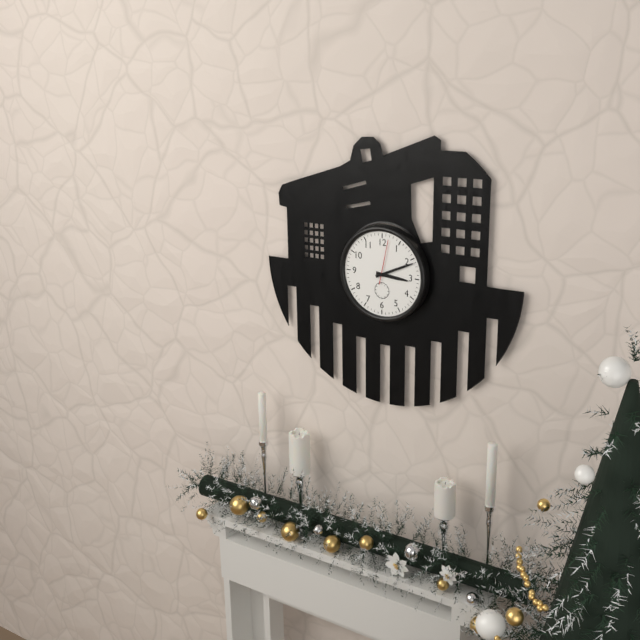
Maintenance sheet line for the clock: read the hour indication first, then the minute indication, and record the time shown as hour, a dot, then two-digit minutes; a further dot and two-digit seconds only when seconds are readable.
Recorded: 3.11
